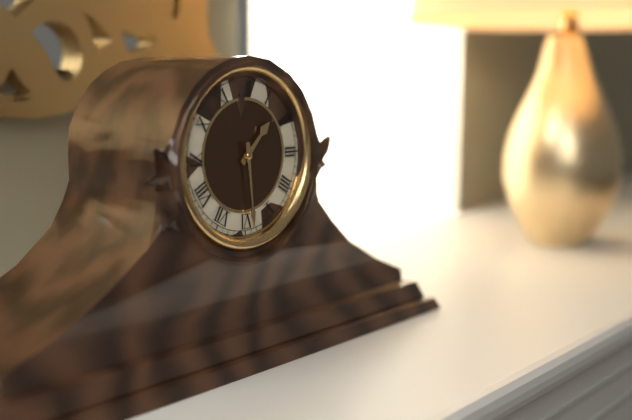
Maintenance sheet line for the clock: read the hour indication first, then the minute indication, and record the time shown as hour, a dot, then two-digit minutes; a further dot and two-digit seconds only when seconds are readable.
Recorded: 1.29
